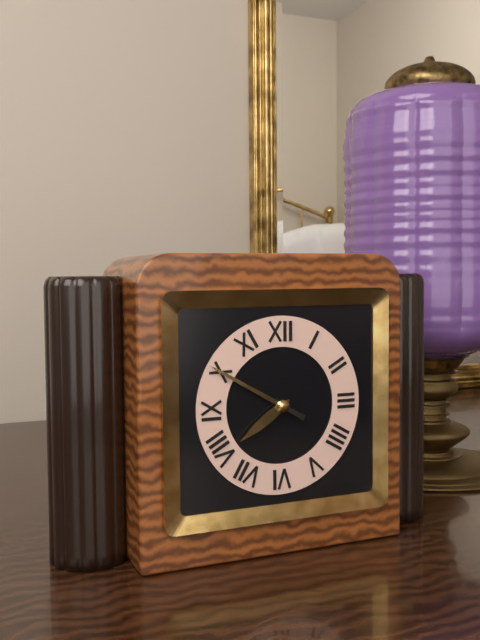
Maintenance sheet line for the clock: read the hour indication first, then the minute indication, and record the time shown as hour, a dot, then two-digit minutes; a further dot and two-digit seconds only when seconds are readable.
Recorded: 7.50
